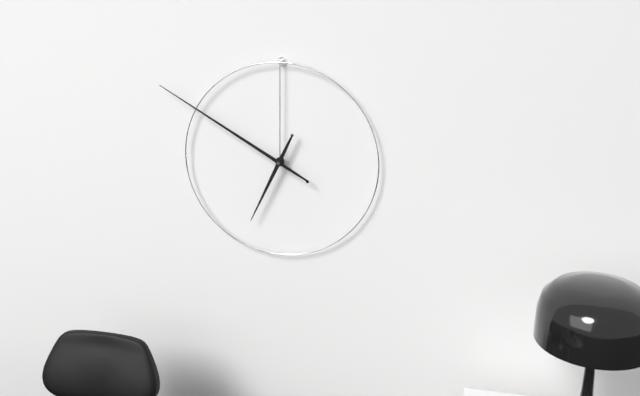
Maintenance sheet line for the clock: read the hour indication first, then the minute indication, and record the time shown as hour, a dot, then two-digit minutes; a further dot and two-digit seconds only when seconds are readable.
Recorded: 6.50
